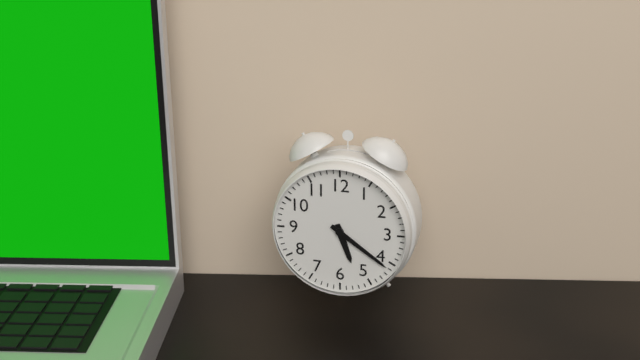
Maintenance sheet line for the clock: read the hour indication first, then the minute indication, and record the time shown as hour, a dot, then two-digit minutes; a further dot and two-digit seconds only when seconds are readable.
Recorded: 5.21
